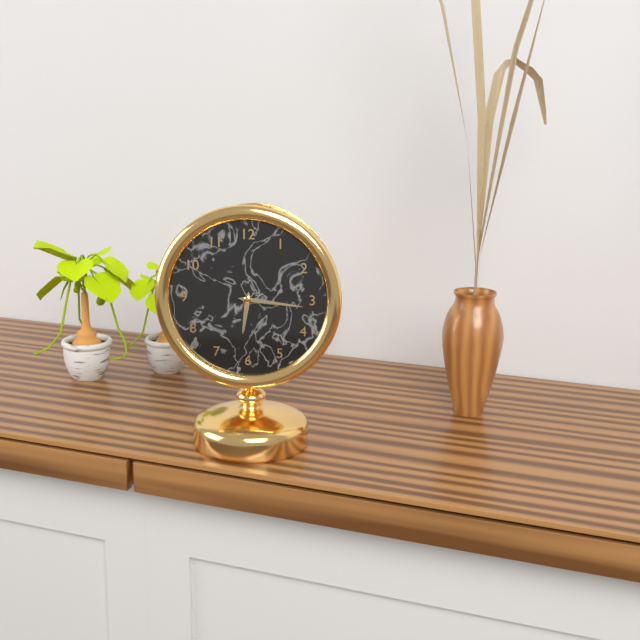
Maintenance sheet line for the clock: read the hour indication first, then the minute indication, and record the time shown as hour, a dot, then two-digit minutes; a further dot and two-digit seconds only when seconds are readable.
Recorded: 6.16
